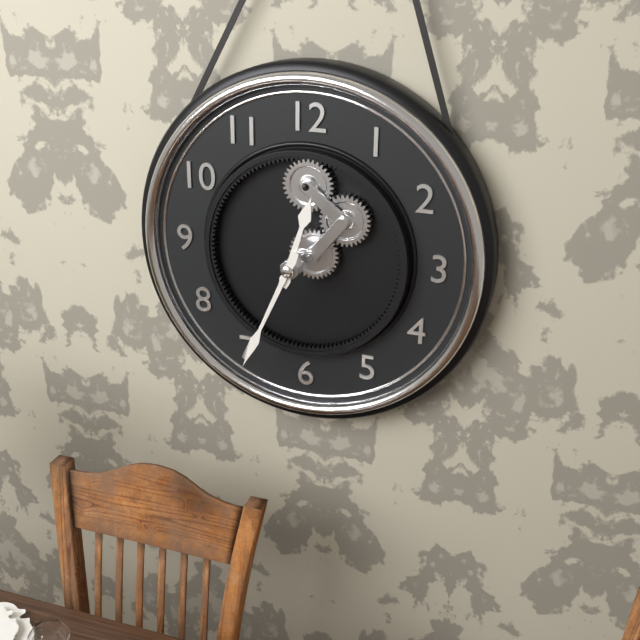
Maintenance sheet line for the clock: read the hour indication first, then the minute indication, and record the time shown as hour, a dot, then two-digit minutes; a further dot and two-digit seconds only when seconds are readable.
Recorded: 12.34
